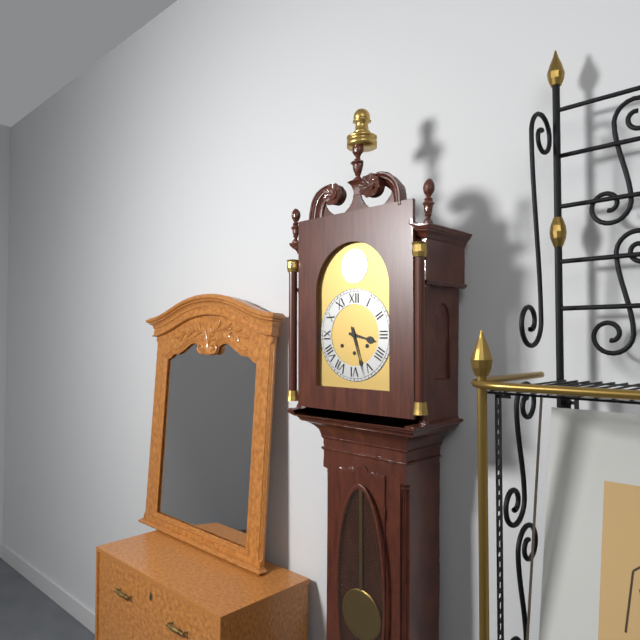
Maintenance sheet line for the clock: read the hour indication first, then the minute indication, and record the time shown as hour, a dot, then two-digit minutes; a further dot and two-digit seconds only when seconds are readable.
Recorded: 3.27
